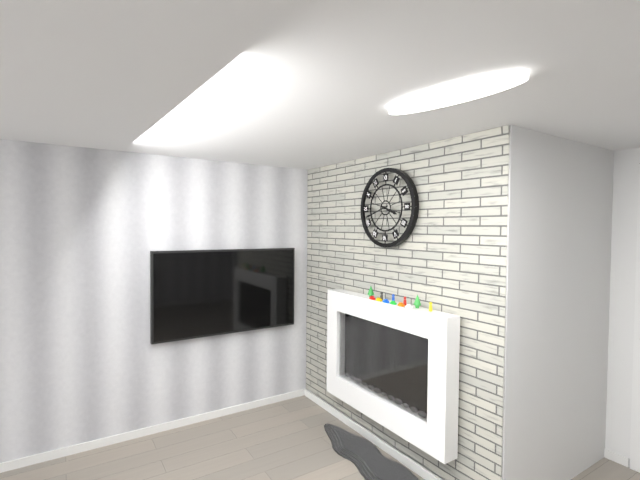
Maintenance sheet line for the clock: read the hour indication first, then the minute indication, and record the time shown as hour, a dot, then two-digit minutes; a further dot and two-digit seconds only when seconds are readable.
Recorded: 3.42
